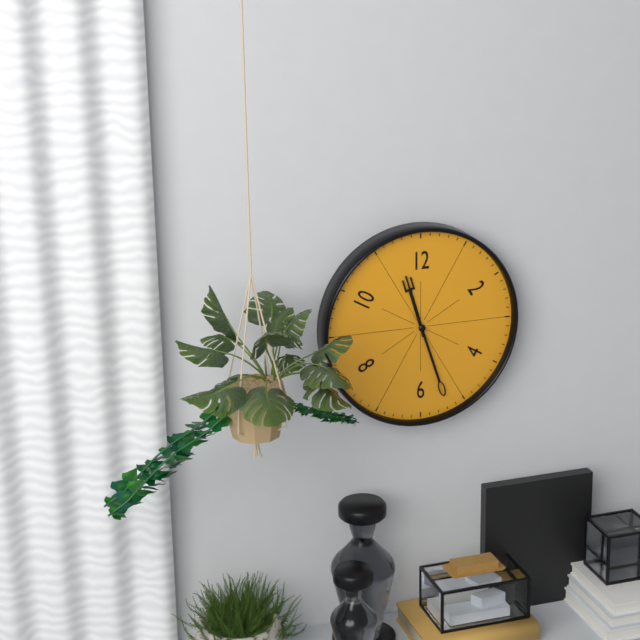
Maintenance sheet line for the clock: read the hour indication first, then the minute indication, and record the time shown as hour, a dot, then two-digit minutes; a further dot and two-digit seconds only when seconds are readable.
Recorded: 11.27
